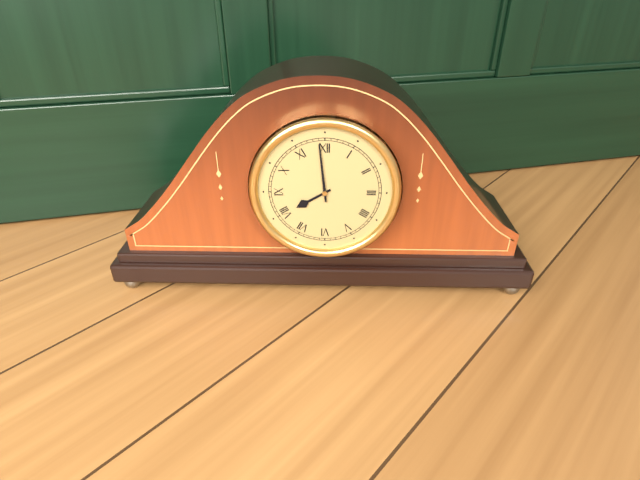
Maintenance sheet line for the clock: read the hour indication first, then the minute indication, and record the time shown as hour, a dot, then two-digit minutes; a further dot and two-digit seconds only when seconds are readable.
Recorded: 7.59
